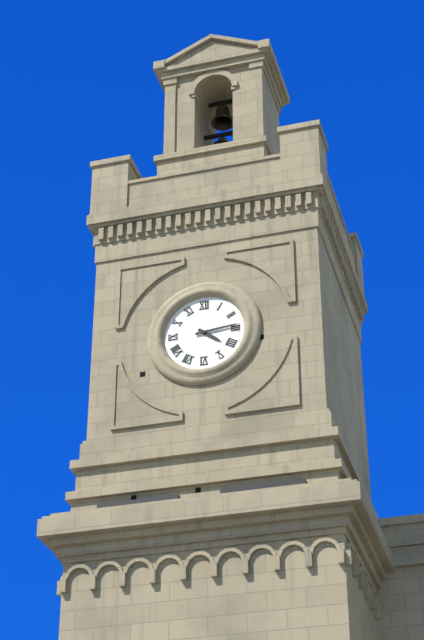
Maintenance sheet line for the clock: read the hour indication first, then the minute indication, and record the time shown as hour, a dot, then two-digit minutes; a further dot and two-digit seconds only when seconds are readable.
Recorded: 4.14
